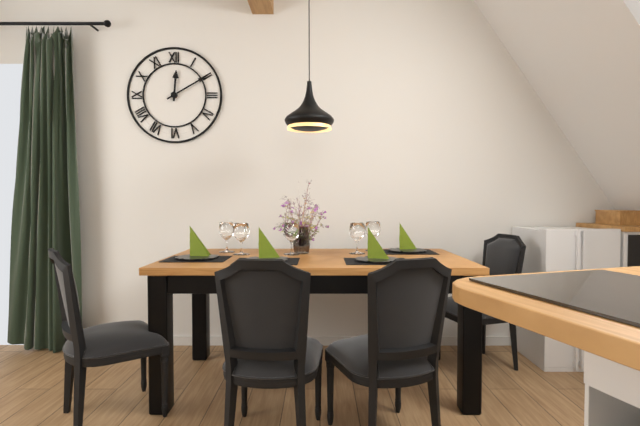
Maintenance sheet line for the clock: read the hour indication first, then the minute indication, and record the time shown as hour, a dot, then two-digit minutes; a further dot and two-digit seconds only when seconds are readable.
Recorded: 12.10
